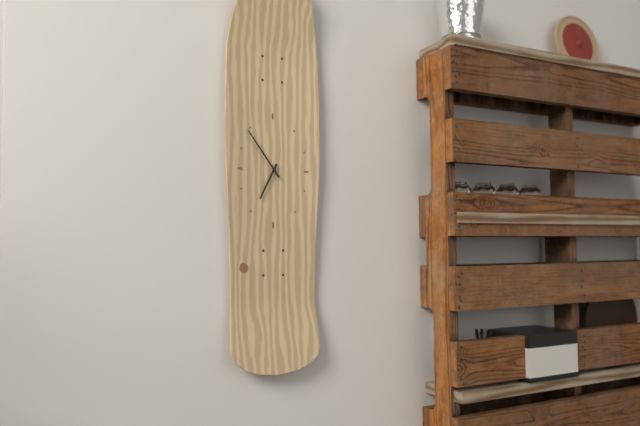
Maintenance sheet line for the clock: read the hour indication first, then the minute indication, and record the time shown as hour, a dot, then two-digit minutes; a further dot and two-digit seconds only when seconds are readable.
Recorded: 6.54
